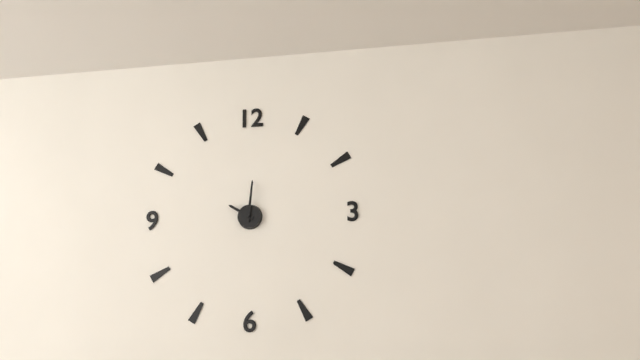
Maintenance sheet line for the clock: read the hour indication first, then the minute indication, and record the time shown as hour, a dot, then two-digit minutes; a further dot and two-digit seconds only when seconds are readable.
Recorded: 10.01
